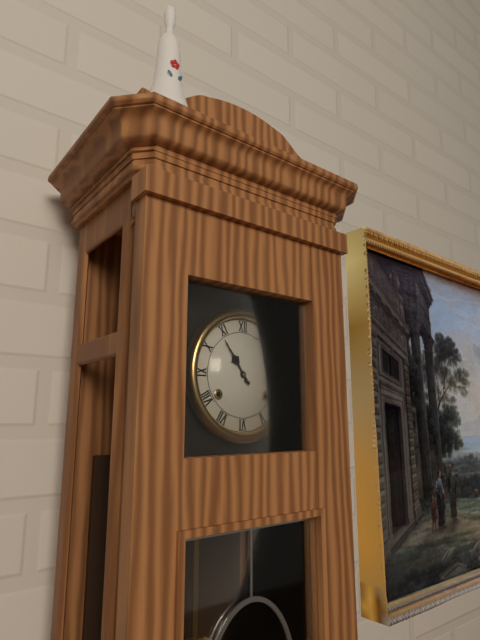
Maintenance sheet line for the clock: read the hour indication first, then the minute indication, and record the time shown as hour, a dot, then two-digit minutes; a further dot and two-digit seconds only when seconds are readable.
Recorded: 10.54
